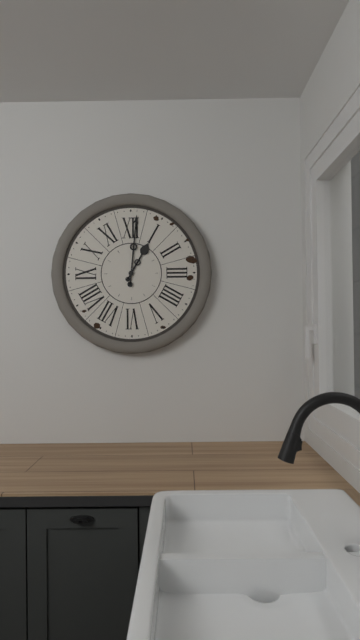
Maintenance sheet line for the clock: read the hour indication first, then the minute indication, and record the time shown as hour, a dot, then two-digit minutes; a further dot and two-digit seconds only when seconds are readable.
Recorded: 1.01
